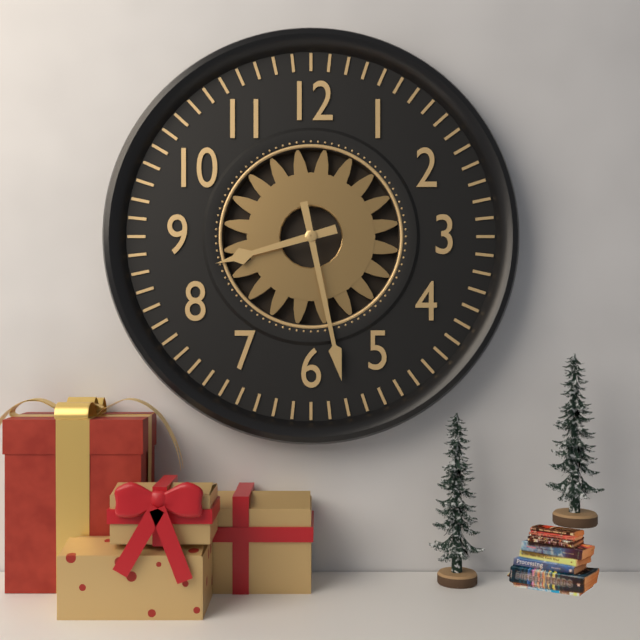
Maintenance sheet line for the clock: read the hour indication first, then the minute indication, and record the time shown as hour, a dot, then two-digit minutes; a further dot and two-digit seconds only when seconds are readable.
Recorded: 8.28
